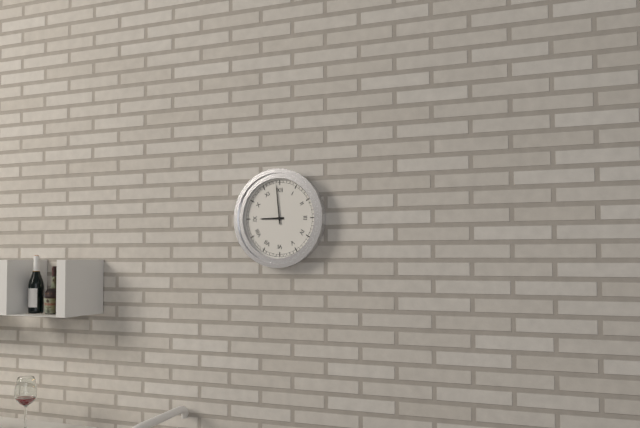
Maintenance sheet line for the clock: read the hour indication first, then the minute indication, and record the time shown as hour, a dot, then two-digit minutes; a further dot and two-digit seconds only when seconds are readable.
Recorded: 8.59
